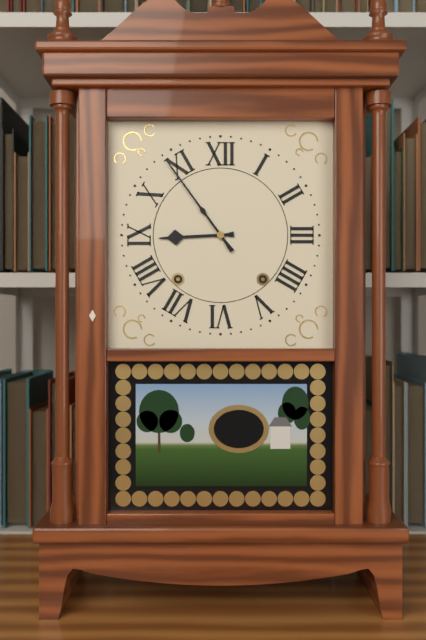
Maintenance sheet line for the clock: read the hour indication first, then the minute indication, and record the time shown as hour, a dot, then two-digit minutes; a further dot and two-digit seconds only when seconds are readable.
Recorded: 8.54
